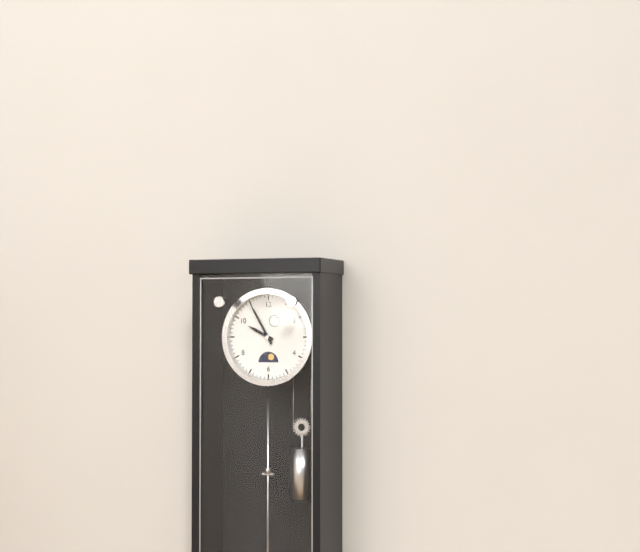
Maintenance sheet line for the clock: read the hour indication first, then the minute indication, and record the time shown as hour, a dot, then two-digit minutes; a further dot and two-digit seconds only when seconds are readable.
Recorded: 9.55
